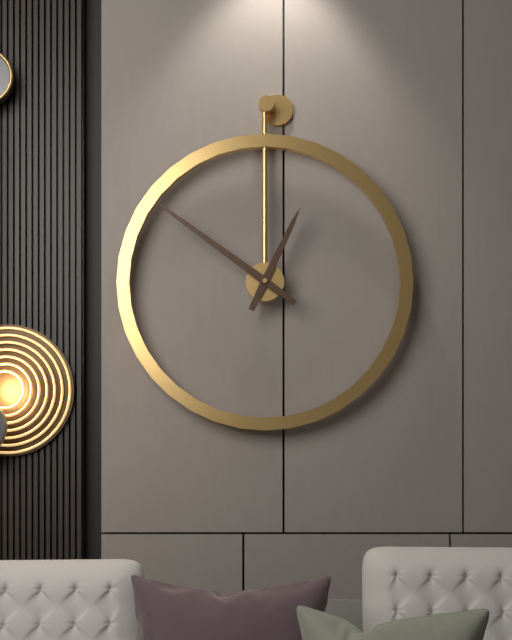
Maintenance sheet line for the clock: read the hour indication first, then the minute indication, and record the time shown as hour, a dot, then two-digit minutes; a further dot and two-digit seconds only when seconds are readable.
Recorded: 12.51
